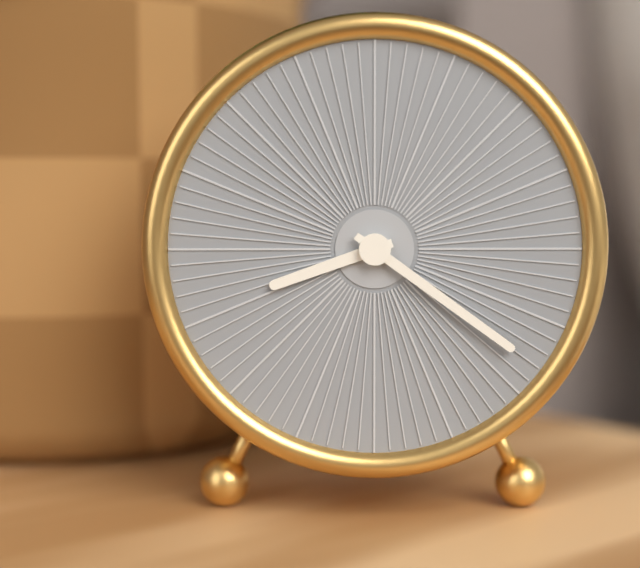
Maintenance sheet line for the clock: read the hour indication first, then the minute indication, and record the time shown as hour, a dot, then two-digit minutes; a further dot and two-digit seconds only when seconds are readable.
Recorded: 8.21
